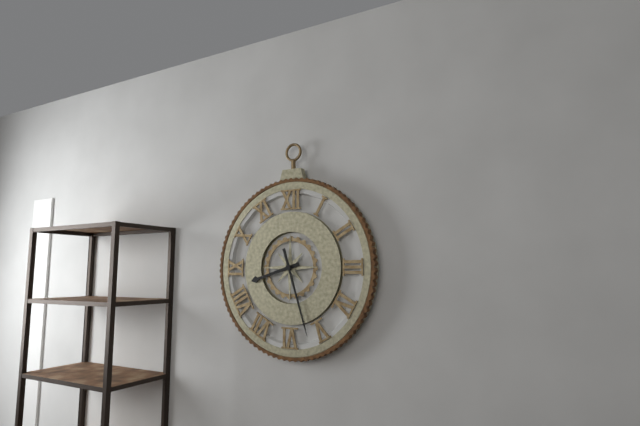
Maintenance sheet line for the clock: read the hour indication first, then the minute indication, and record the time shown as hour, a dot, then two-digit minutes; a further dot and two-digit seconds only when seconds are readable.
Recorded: 8.27
